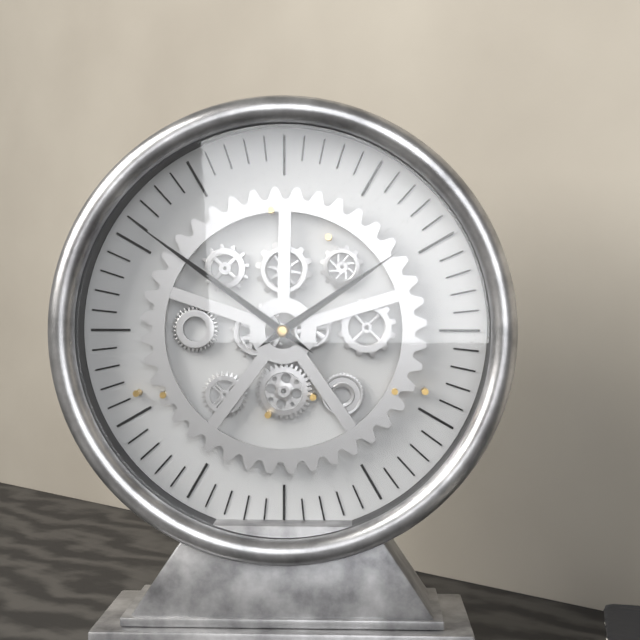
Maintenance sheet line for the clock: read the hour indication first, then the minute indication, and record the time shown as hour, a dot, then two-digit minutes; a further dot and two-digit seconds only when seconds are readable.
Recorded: 1.51
